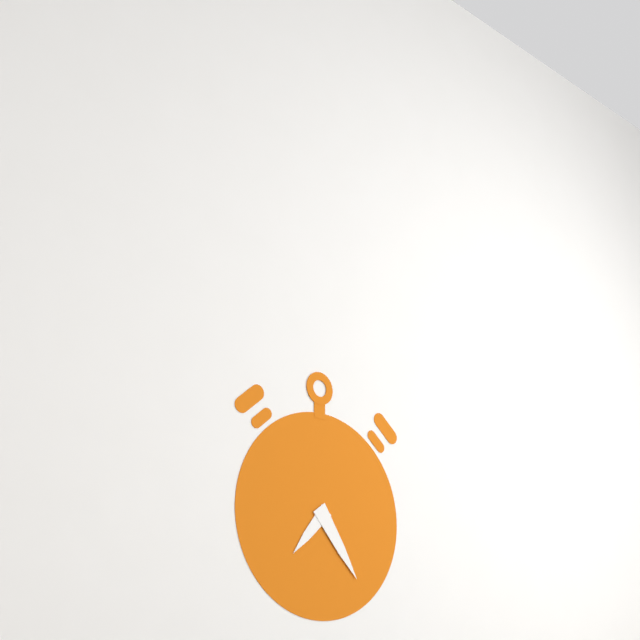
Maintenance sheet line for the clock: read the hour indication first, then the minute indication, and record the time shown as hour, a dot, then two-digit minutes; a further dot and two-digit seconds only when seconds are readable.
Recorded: 7.24
